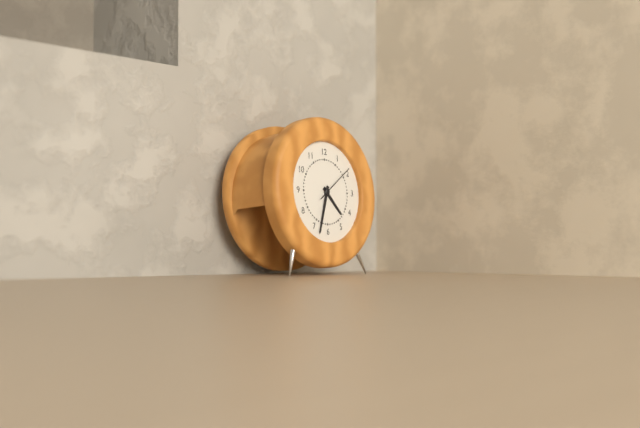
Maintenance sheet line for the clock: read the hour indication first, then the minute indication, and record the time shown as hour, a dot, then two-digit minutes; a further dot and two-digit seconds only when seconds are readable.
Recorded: 4.33
